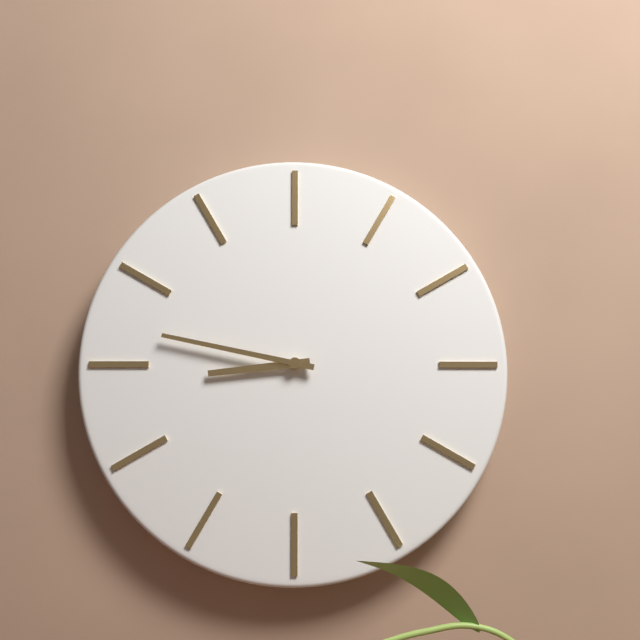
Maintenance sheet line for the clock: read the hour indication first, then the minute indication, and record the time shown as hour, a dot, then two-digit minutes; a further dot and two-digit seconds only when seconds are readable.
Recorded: 8.47
